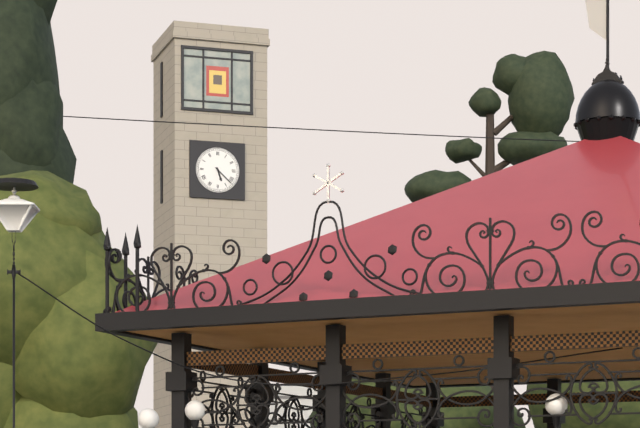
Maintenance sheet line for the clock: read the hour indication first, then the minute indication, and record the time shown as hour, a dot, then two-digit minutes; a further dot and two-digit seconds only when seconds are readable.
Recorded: 5.22
